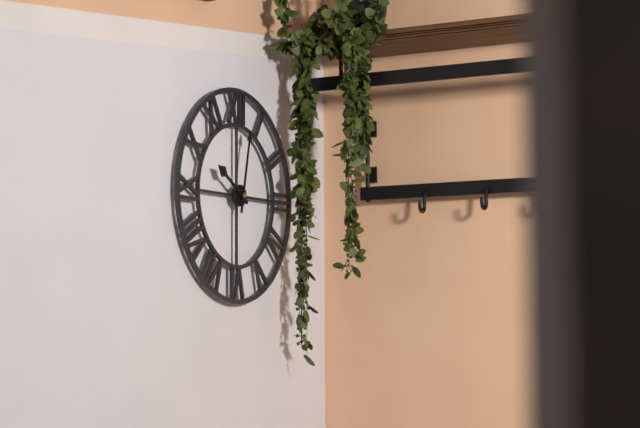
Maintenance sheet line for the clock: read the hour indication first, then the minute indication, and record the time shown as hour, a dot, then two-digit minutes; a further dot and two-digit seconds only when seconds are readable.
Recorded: 10.02
